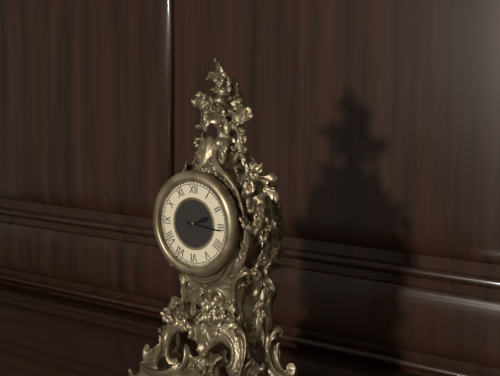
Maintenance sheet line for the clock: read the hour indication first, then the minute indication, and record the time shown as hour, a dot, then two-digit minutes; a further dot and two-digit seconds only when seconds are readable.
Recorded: 2.16
